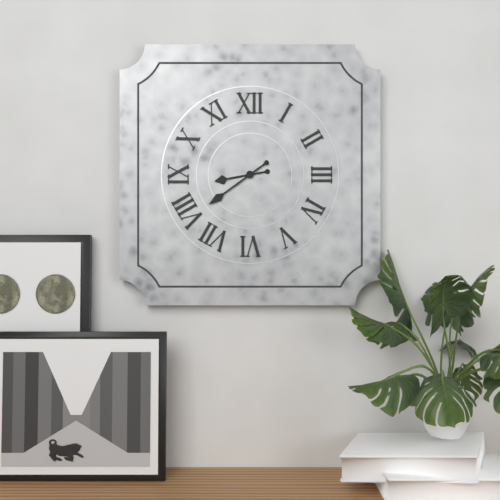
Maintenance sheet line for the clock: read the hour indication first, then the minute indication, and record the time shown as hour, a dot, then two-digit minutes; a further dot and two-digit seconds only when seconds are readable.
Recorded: 8.39
